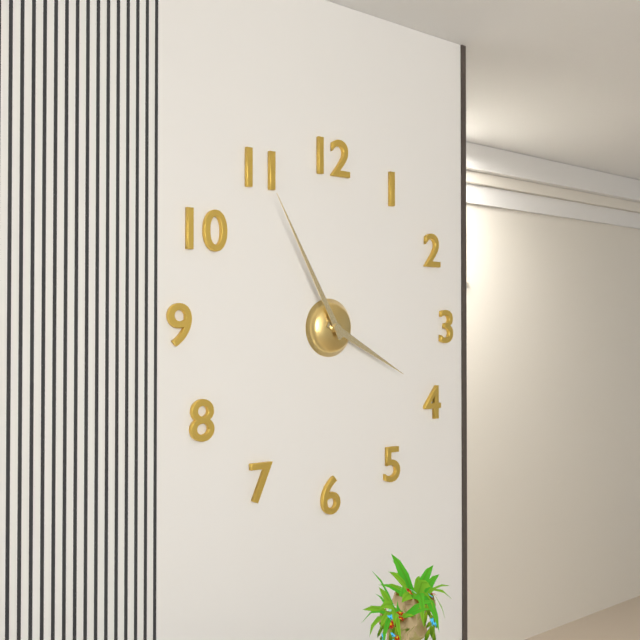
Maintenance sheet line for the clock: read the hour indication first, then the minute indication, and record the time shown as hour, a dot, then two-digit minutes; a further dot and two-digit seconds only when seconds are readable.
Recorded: 3.55
